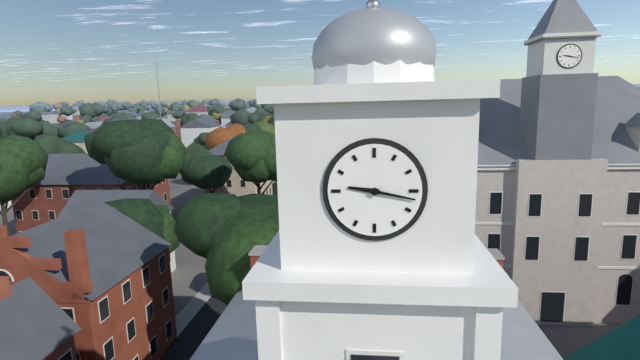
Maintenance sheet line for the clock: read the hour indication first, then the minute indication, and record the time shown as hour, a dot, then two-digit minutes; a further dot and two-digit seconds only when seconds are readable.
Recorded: 9.17
